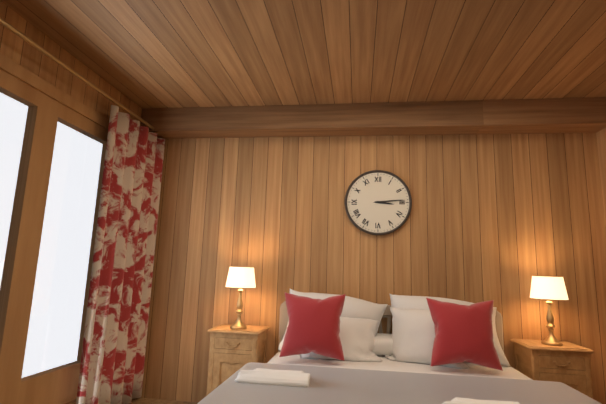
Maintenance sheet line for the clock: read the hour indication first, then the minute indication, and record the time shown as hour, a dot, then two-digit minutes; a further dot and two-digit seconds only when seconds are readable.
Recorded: 3.14
